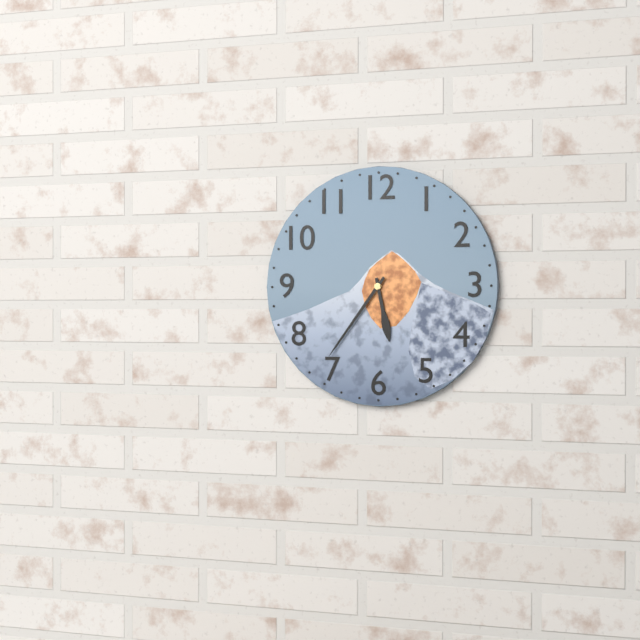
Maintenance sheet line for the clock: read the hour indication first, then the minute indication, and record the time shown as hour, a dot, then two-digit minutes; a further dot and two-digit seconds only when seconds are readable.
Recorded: 5.36
